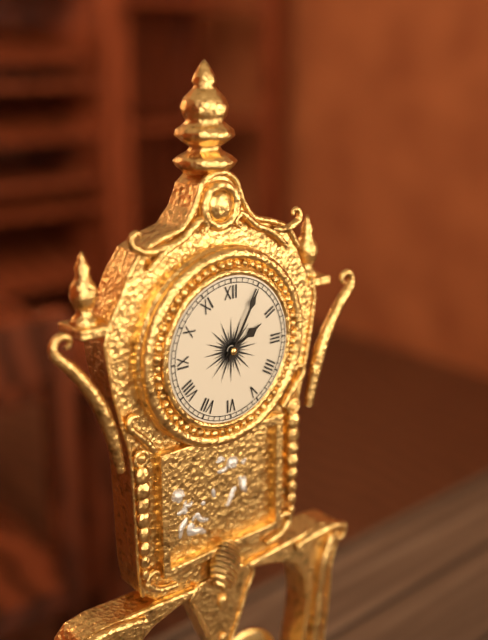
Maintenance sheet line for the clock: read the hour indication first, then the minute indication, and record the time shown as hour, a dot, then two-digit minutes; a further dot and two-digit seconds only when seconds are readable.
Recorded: 2.05
